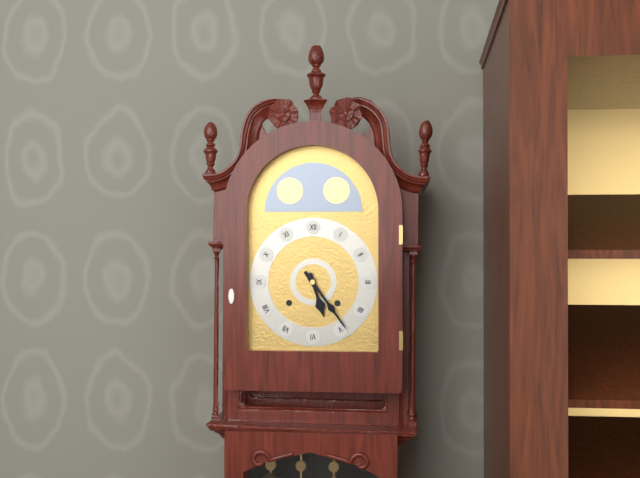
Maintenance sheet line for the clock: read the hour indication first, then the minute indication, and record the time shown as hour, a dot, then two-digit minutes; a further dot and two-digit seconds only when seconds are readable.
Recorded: 5.24
